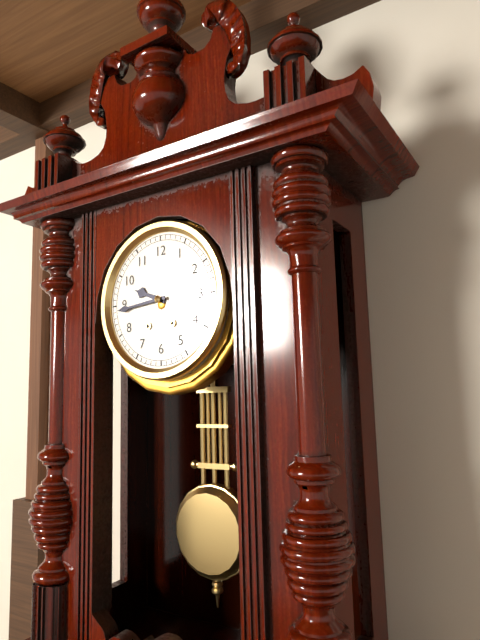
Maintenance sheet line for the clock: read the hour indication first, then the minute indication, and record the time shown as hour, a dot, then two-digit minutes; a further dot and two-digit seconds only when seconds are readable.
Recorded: 9.44
